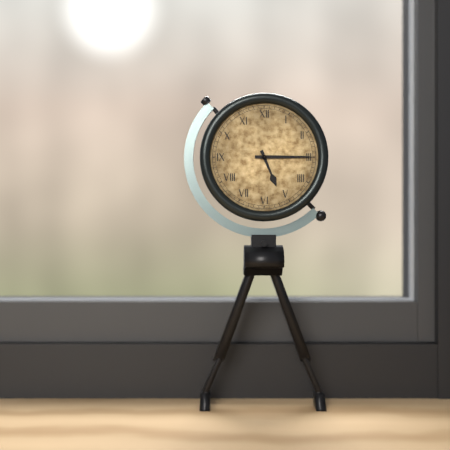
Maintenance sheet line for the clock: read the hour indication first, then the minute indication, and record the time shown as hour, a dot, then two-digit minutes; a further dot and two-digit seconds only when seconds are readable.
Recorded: 5.15
